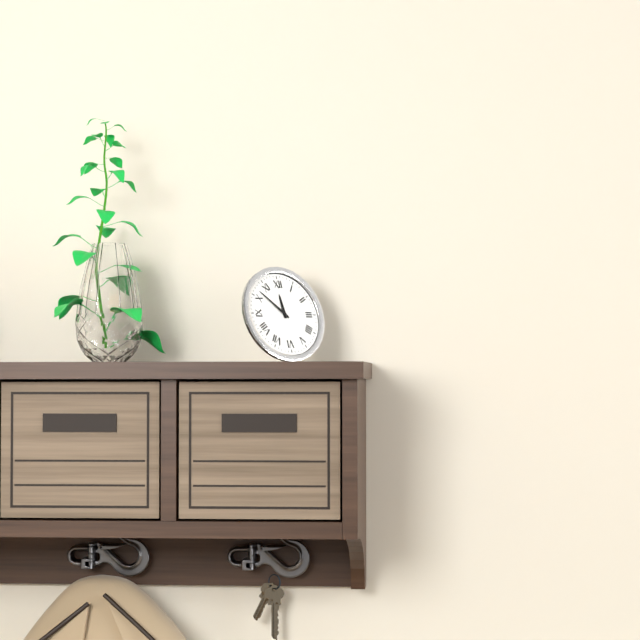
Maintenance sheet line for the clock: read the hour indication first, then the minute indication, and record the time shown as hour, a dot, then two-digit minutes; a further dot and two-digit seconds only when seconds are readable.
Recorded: 11.52
